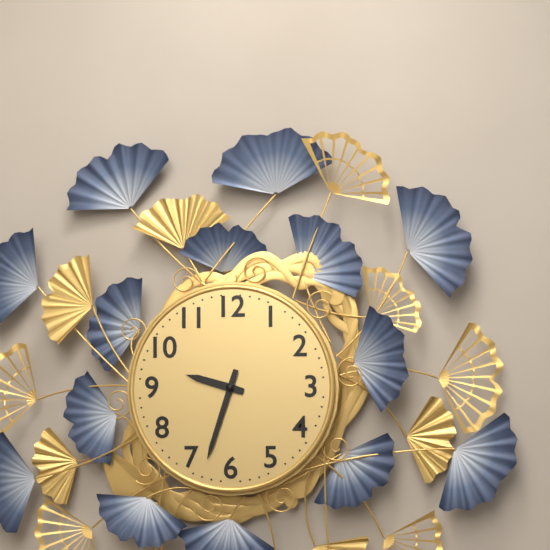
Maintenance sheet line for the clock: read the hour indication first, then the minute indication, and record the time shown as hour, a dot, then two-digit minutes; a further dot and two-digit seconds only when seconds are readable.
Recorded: 9.33
